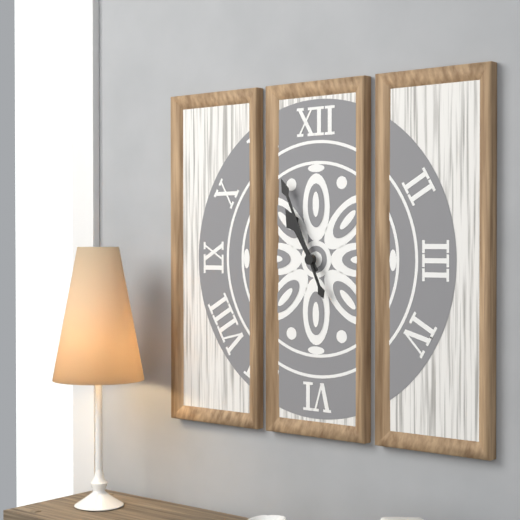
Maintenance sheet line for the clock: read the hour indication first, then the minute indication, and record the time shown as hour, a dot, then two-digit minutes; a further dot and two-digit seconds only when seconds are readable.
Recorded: 10.56
